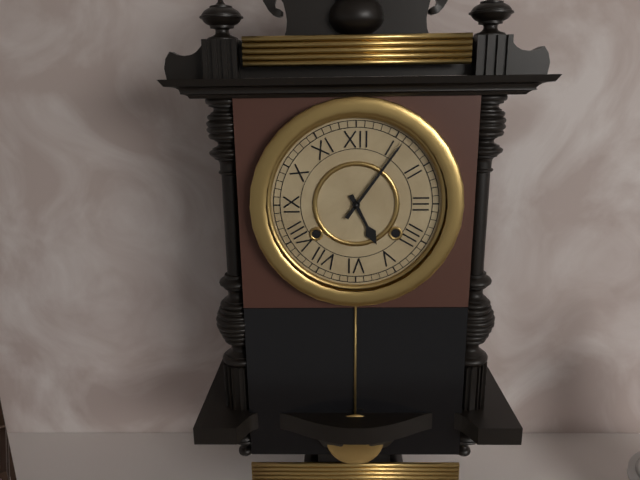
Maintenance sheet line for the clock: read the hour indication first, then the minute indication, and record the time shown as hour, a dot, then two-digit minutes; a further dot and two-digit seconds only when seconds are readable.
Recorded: 5.06
